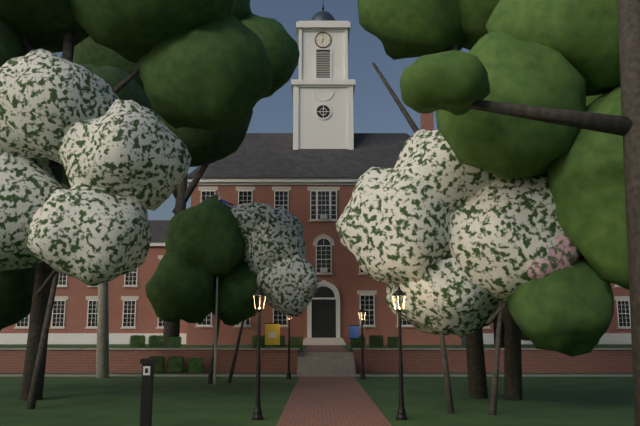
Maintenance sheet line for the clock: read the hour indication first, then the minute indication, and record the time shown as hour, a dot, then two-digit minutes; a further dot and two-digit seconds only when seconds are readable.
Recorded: 6.59
